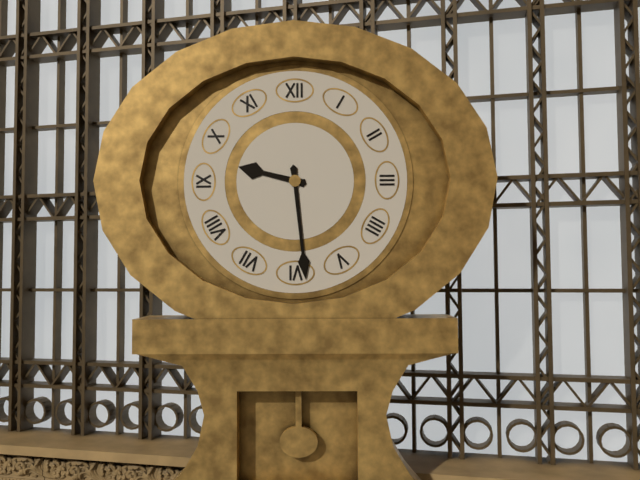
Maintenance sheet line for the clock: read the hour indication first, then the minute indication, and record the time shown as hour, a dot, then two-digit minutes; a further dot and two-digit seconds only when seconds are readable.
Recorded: 9.29
